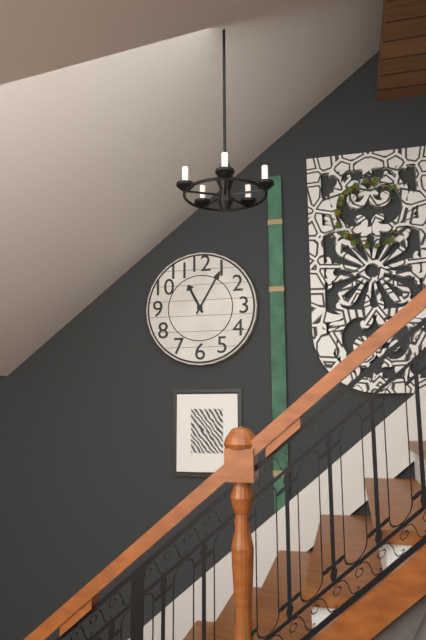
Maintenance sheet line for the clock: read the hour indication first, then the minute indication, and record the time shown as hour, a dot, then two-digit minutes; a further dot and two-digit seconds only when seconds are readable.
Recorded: 11.05
